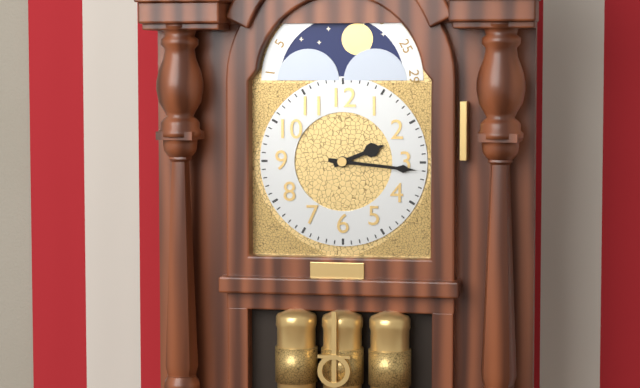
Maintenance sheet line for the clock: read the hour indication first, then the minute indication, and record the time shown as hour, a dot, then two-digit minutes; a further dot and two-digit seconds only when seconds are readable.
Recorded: 2.16
